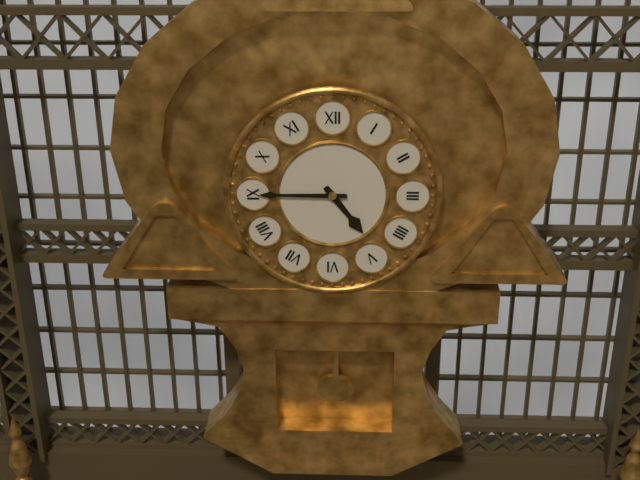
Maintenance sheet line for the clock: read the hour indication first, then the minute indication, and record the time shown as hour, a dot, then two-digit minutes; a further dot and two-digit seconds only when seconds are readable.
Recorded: 4.45
